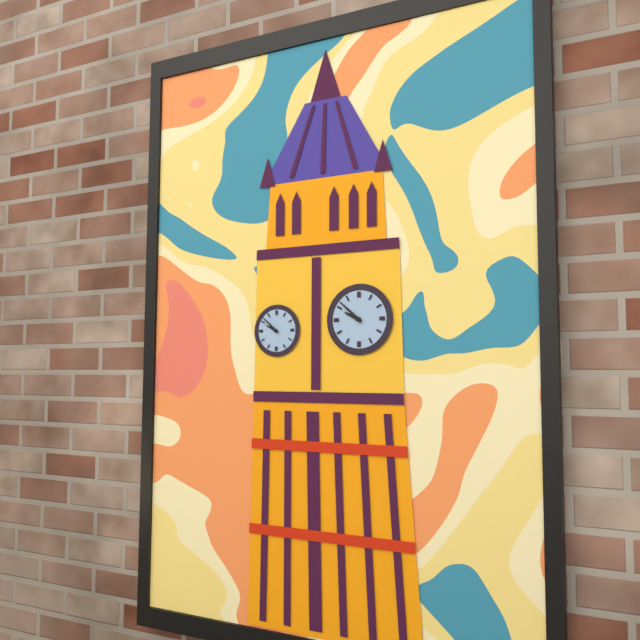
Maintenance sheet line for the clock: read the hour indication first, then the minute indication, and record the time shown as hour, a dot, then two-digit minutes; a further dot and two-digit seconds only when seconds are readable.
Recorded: 9.52
